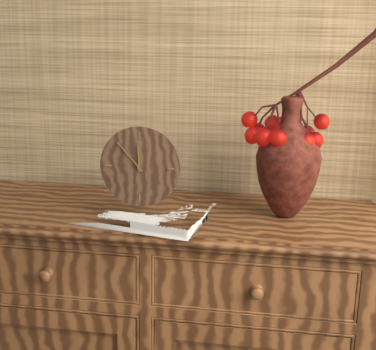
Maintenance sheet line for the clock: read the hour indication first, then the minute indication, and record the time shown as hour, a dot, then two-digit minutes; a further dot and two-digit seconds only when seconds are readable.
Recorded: 11.53
